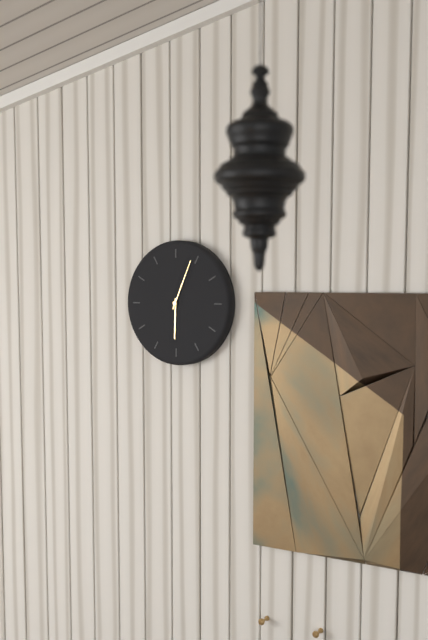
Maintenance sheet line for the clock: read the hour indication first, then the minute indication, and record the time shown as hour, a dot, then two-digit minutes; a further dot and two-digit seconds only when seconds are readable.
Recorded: 6.04
